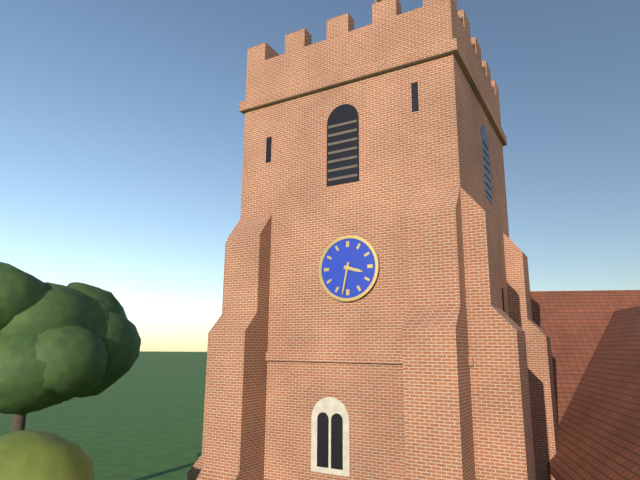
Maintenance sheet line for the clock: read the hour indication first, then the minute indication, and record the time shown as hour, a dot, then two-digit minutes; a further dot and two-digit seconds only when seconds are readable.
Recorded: 3.32
